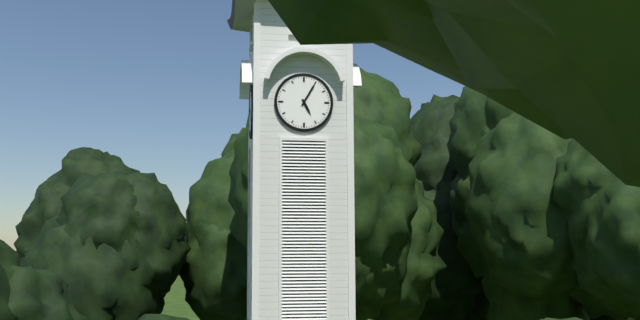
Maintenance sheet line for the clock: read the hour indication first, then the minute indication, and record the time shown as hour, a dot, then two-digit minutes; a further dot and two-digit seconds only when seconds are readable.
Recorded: 5.05
